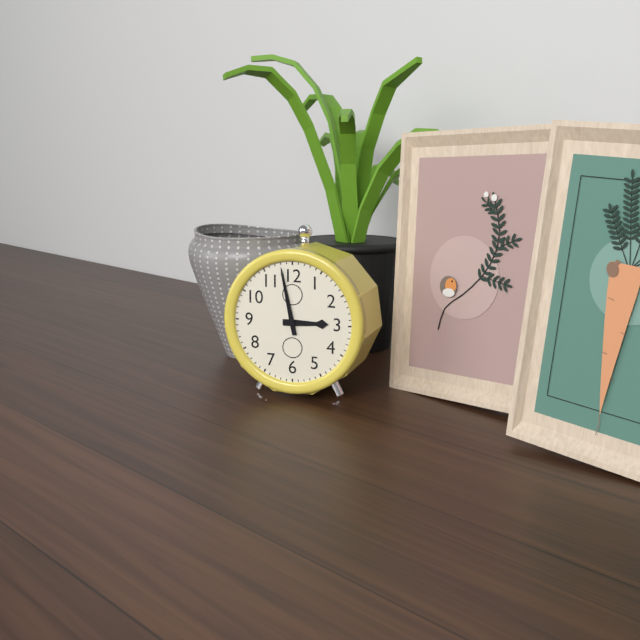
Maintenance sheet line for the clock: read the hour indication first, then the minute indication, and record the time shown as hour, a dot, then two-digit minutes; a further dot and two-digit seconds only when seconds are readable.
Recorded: 2.58
